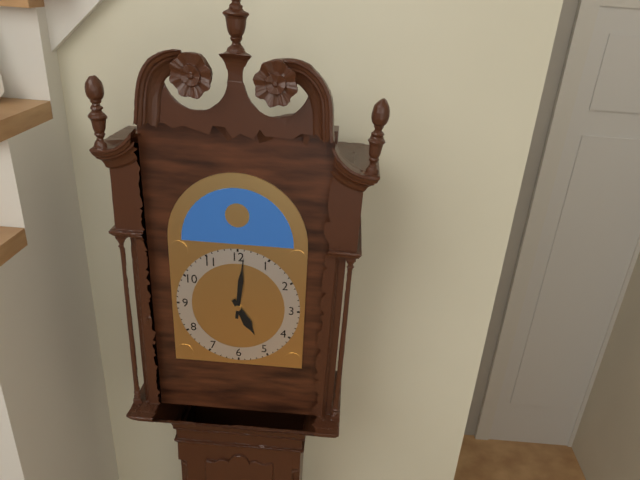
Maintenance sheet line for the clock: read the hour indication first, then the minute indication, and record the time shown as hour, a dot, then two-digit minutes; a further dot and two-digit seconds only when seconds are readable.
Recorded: 5.01
